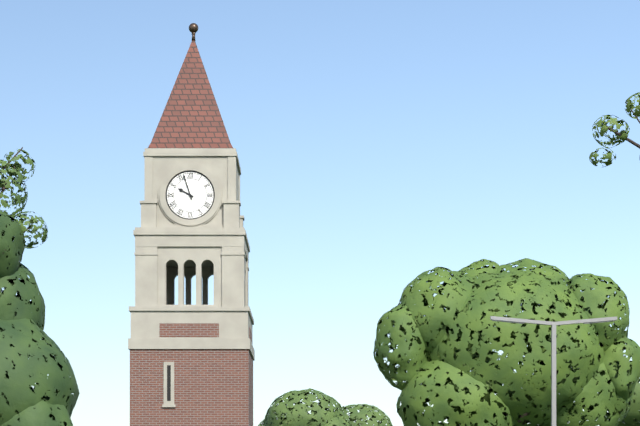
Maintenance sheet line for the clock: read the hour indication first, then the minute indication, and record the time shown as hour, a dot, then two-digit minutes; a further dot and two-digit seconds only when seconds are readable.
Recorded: 9.57
